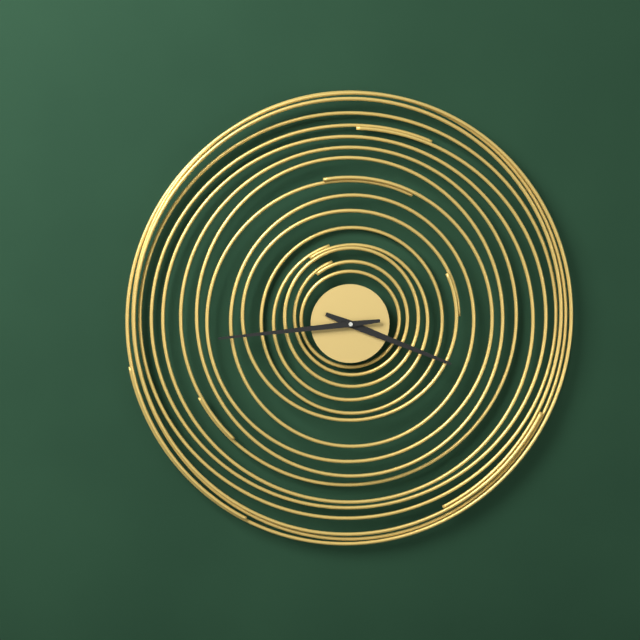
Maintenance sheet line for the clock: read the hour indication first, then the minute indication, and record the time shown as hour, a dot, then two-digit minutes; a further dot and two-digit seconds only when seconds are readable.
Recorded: 3.44
